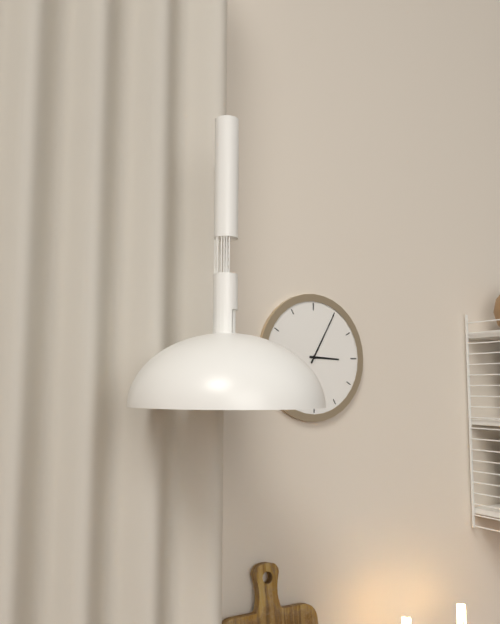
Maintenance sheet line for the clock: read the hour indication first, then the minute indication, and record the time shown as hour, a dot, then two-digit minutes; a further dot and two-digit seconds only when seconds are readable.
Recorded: 3.05
